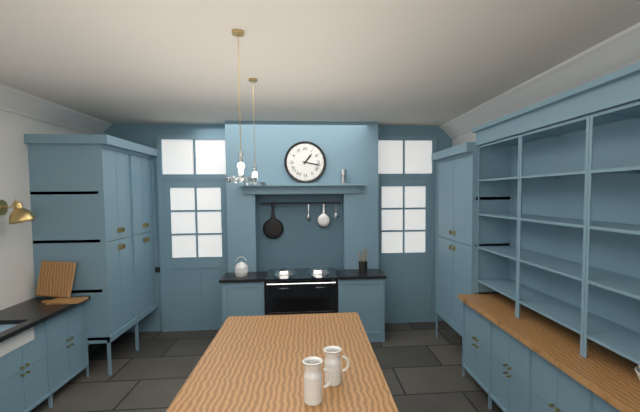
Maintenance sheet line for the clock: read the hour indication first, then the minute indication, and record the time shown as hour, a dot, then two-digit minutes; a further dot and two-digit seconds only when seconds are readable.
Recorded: 1.17
